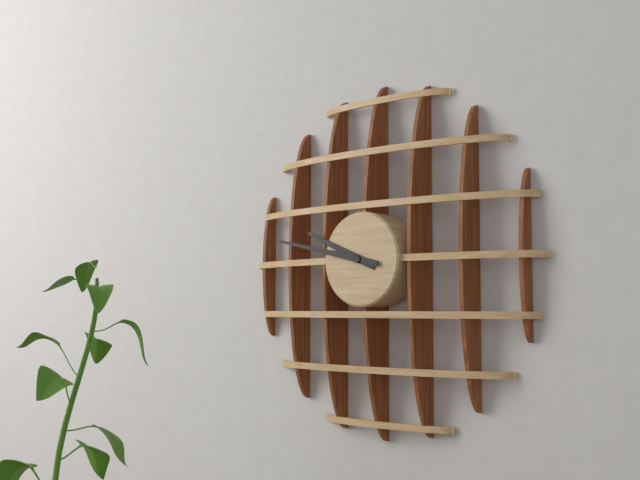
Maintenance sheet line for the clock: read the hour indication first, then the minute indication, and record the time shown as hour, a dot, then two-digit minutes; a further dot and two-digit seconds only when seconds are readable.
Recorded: 9.47
